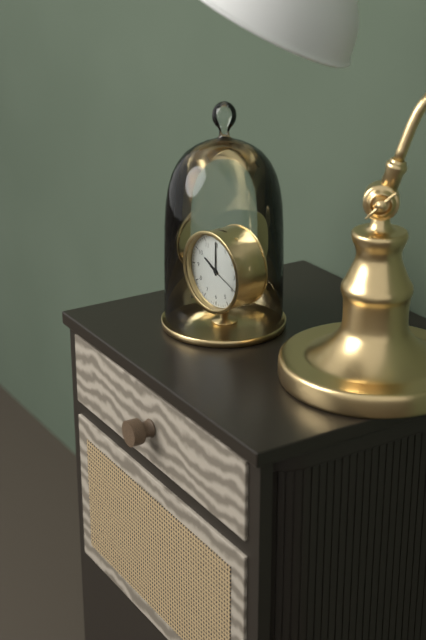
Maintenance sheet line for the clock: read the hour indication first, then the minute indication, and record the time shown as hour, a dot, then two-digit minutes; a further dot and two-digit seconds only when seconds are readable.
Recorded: 10.00
